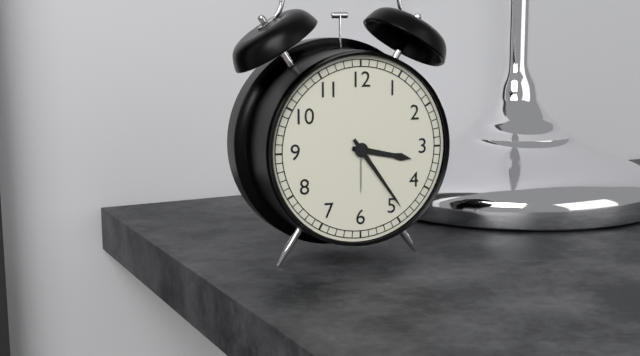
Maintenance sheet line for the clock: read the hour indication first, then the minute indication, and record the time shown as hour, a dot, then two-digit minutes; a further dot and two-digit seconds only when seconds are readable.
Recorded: 3.24
